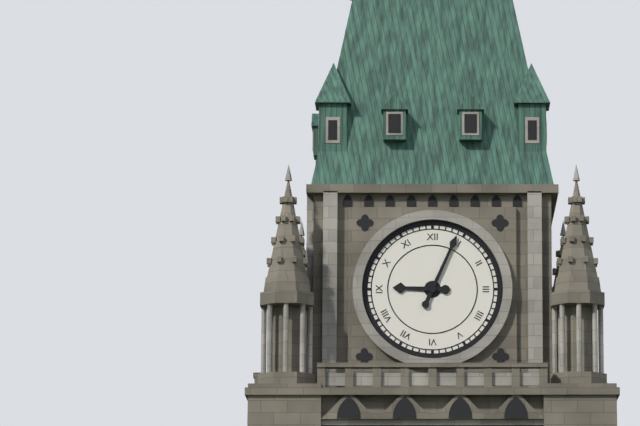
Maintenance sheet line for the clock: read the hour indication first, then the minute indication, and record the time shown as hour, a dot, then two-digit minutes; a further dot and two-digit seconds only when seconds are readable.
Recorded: 9.04
